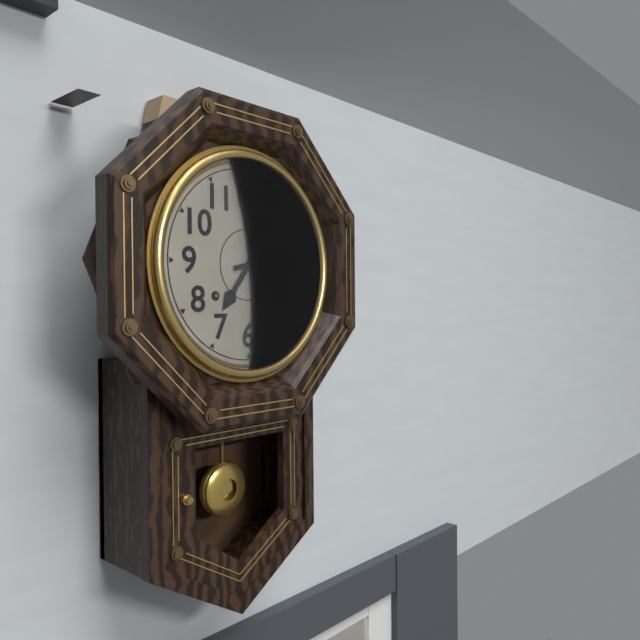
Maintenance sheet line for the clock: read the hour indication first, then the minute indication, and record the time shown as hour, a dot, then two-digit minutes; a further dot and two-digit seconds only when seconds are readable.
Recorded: 7.13
